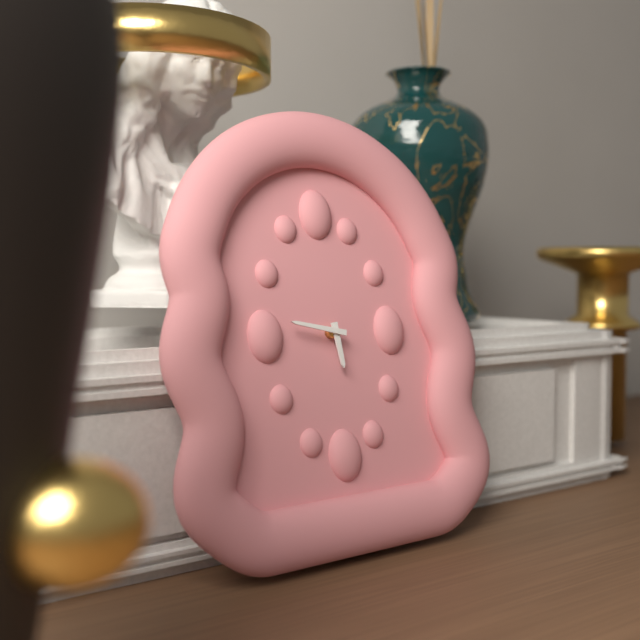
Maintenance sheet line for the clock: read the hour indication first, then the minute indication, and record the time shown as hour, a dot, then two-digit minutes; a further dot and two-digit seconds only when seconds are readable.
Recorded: 5.47
